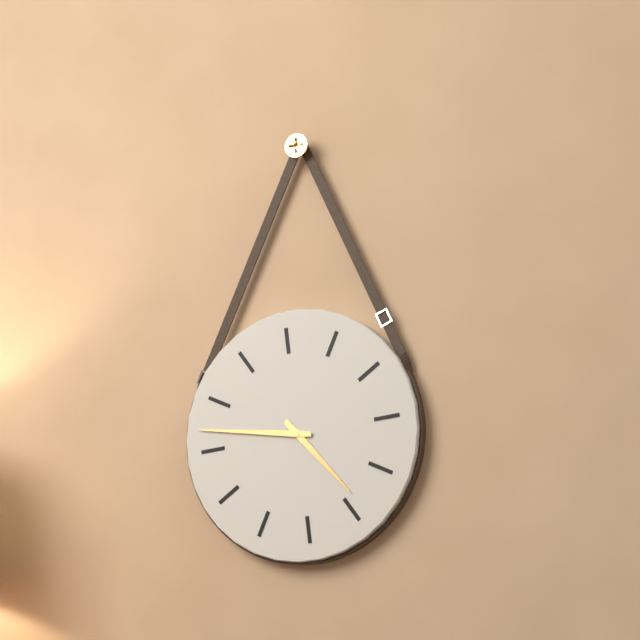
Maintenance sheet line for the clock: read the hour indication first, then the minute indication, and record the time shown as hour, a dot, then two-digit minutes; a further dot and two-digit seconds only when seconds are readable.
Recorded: 4.47
